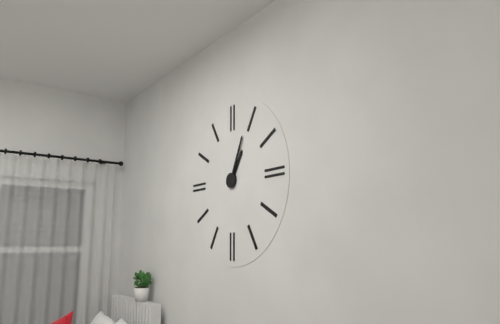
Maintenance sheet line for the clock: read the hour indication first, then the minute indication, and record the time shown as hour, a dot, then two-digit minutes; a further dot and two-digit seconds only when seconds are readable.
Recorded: 1.04
